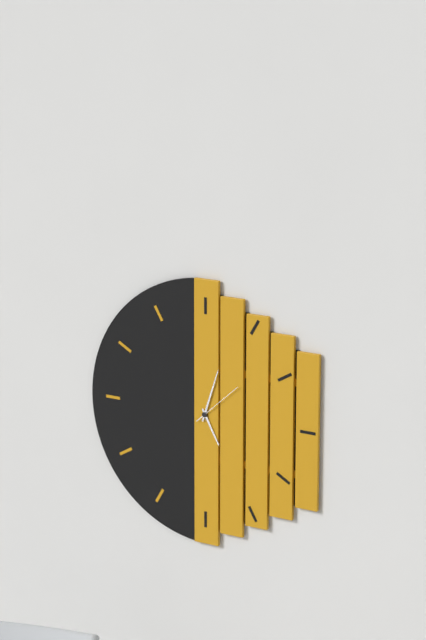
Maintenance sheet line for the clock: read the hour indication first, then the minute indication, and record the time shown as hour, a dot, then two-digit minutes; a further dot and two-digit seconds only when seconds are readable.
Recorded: 5.03
